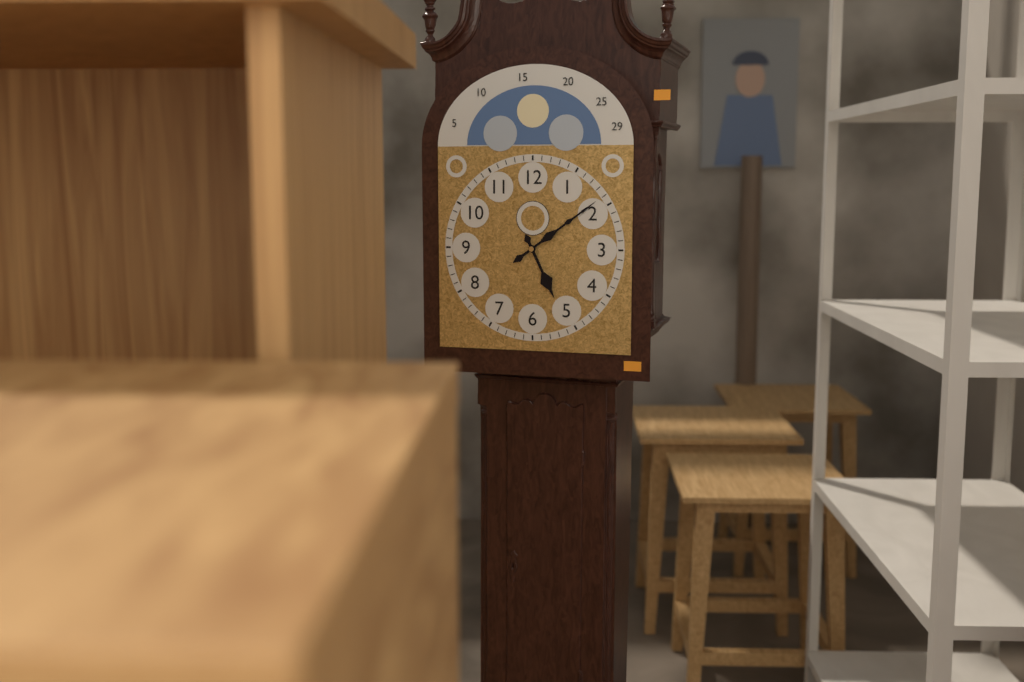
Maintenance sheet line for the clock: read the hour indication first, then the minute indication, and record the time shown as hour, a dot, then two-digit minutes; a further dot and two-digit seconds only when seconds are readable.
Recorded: 5.09
